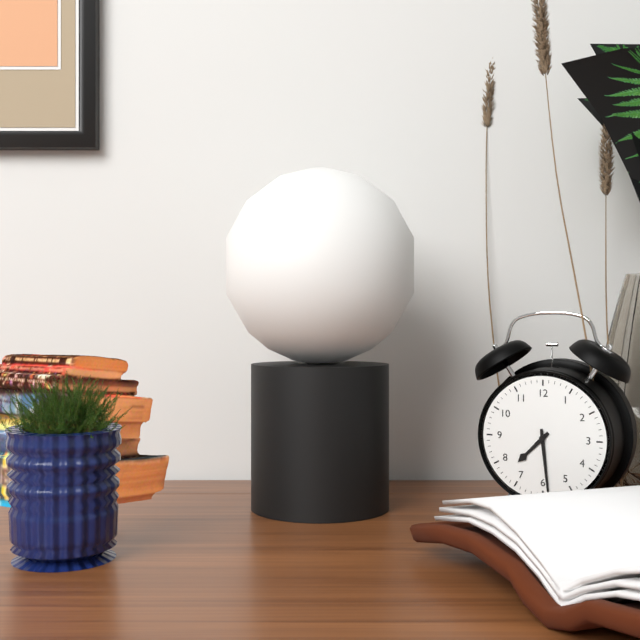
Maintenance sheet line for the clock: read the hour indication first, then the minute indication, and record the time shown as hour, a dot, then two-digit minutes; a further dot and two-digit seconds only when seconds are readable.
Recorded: 7.29
